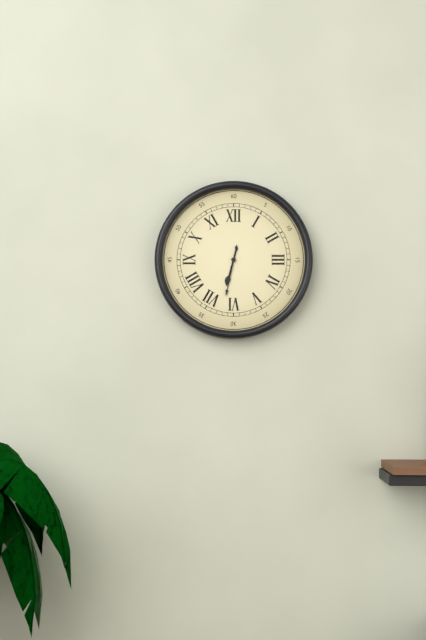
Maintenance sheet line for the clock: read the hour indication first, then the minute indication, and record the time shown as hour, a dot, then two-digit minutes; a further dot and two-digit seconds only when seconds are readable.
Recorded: 6.32
